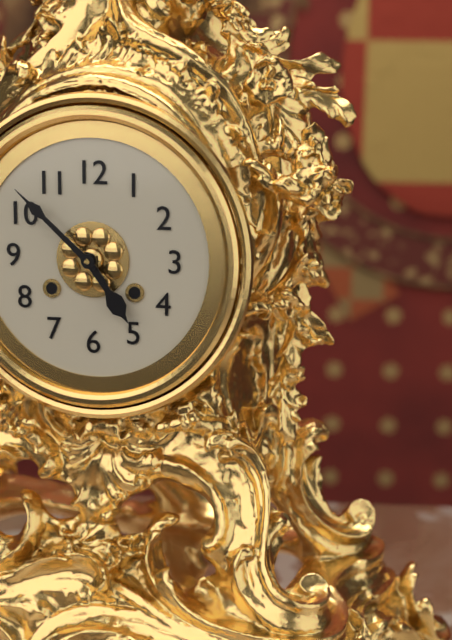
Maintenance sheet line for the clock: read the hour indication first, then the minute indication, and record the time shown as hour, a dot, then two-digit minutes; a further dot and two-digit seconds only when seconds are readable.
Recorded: 4.52
